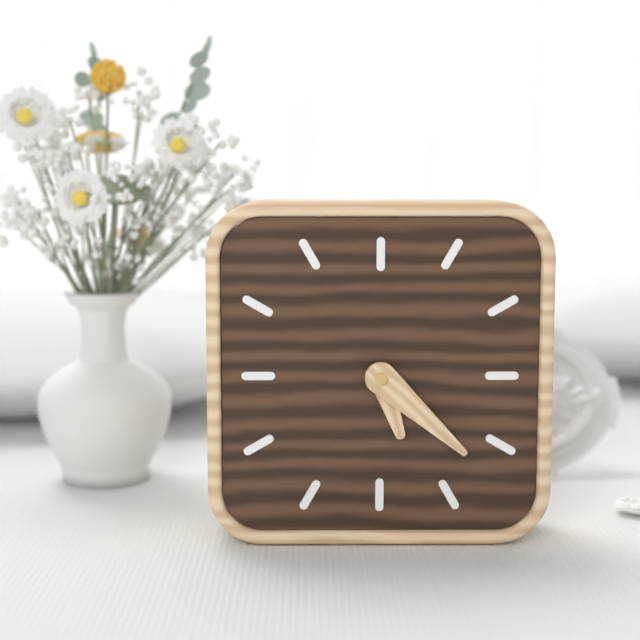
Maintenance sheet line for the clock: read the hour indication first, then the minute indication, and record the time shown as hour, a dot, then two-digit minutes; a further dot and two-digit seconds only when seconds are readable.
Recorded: 5.22
